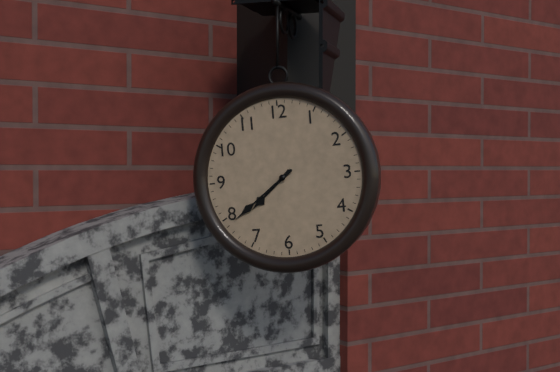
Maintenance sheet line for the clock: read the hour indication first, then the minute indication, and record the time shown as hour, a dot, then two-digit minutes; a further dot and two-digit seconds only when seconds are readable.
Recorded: 7.39
